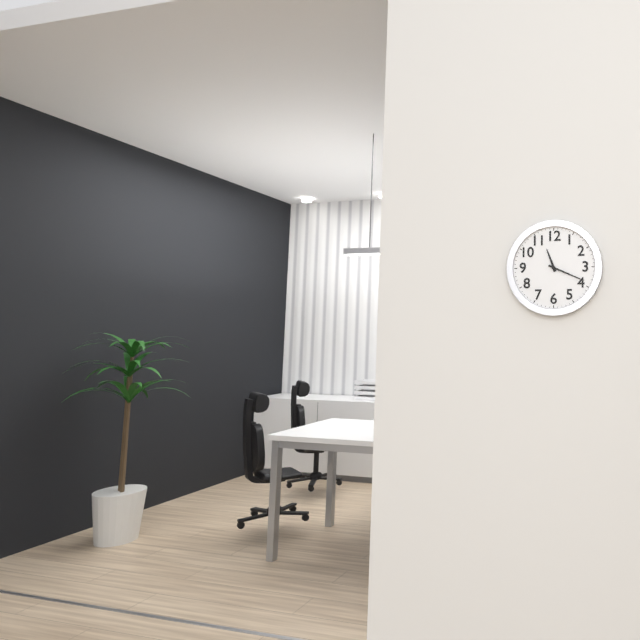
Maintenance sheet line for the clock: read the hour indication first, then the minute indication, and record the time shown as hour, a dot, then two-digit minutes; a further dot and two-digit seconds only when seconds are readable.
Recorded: 11.19
